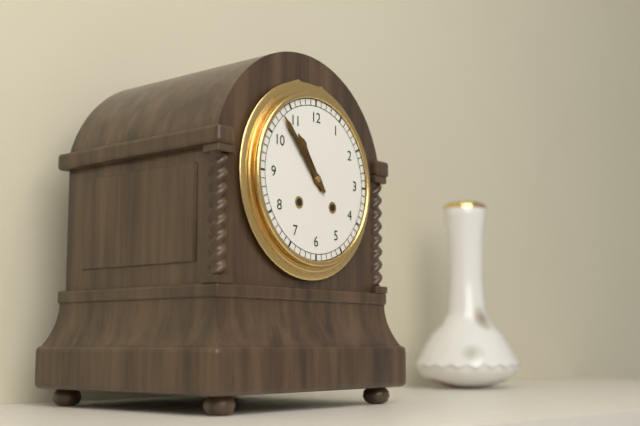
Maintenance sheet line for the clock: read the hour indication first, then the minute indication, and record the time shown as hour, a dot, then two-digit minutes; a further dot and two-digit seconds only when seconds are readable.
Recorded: 10.53
